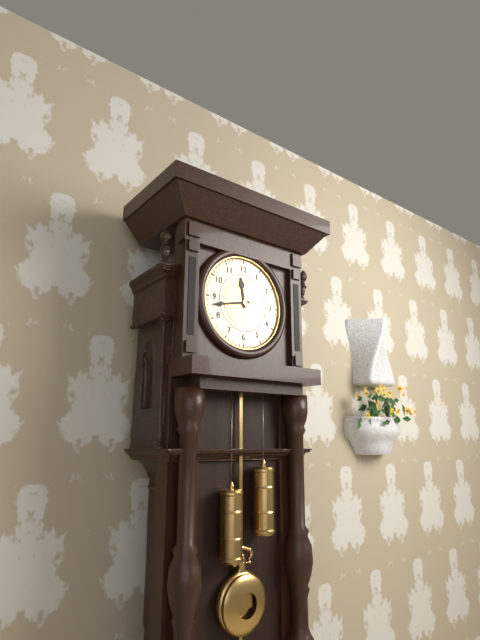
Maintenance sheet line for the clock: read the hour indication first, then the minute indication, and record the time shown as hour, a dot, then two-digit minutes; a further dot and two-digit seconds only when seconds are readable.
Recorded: 11.43
